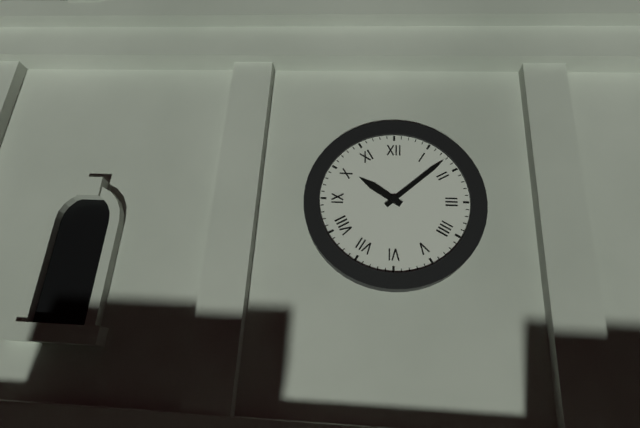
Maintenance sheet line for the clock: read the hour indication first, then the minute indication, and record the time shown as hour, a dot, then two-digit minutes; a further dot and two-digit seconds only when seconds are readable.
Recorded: 10.08
